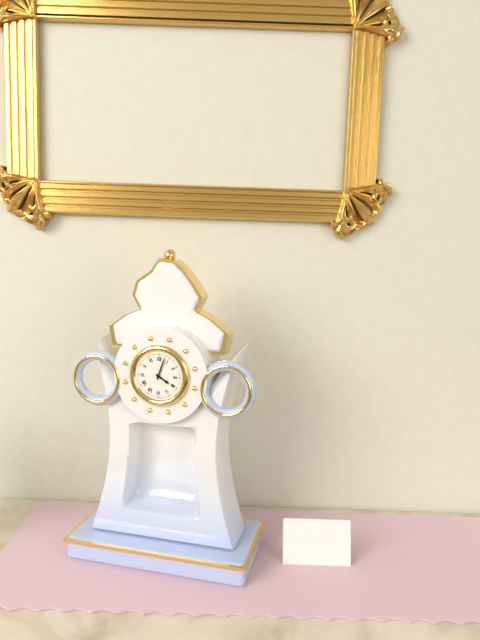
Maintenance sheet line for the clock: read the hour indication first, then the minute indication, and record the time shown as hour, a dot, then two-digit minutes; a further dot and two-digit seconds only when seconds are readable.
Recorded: 4.03
